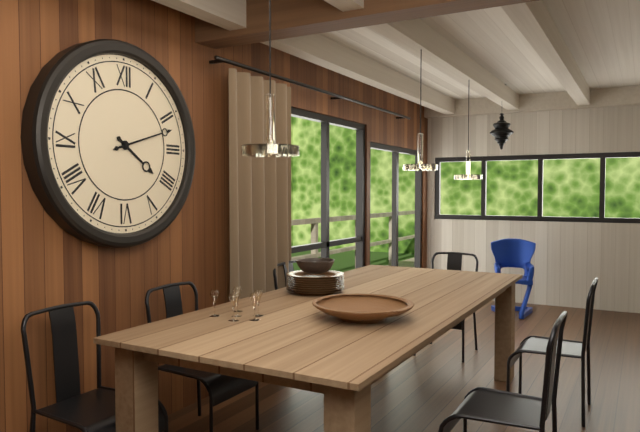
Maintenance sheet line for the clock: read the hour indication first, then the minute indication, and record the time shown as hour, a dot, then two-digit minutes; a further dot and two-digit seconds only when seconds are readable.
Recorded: 4.12
